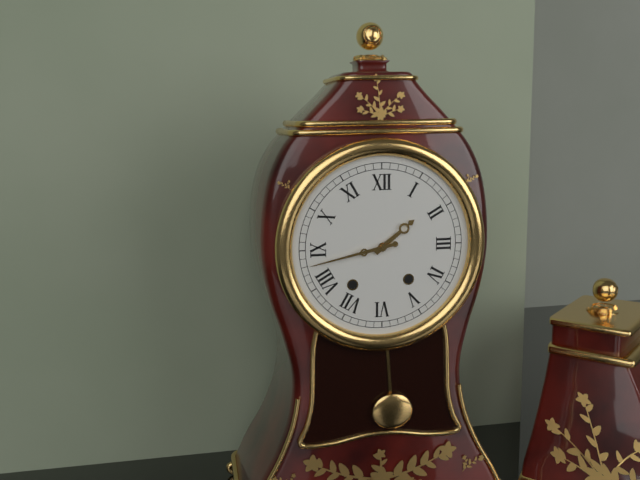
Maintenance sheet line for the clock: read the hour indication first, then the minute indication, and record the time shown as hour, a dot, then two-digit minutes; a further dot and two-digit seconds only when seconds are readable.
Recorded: 1.43
